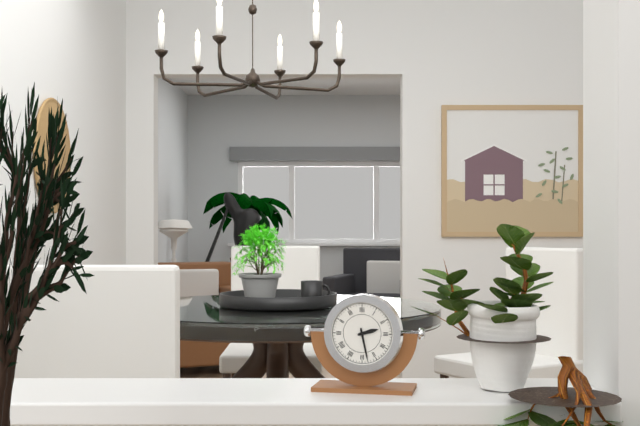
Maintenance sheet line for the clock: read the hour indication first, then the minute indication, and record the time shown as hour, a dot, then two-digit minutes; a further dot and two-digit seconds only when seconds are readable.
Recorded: 2.28
